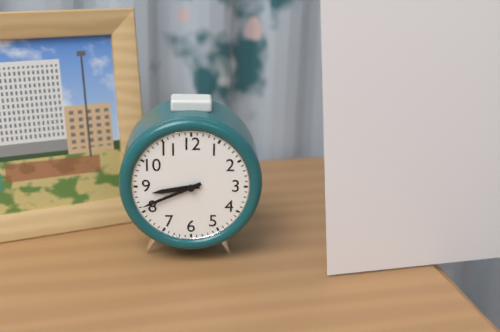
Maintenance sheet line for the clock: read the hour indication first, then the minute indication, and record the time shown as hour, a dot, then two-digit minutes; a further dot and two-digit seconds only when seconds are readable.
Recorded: 8.41
